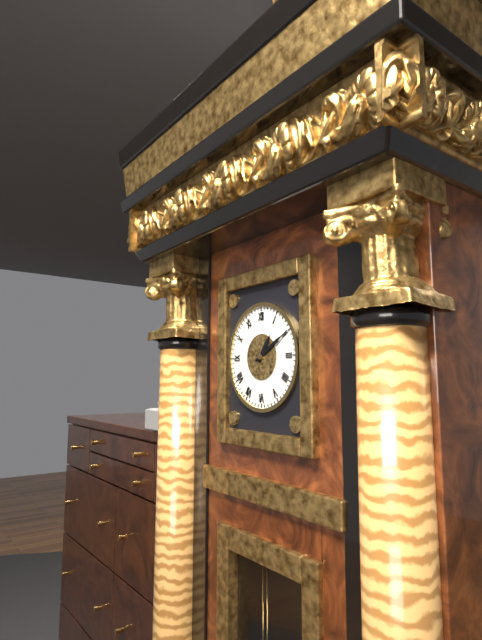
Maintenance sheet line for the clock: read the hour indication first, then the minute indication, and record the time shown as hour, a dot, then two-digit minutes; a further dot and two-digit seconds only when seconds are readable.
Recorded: 1.10
